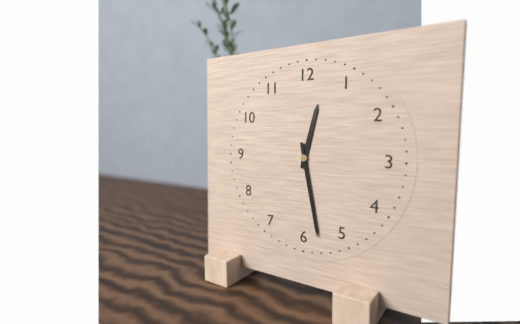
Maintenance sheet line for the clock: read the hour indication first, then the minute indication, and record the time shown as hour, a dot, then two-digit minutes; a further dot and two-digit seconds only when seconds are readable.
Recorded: 12.28
